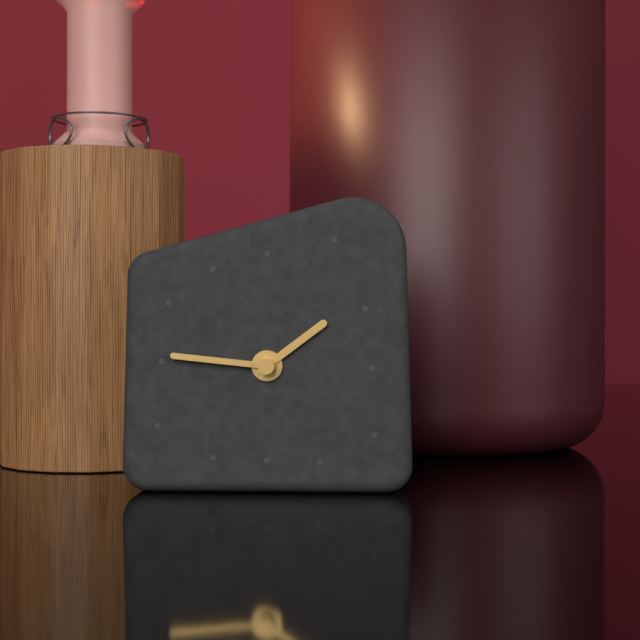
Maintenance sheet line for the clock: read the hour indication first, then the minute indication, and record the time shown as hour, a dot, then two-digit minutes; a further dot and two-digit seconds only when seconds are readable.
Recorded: 1.46
